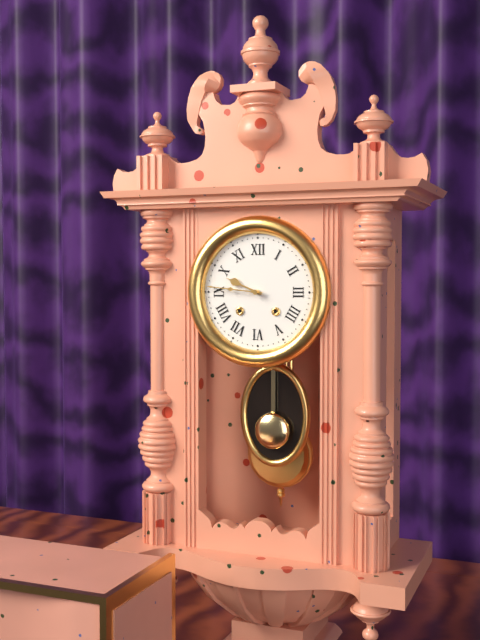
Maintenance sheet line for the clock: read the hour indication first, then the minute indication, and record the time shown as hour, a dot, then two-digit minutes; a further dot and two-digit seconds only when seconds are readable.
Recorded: 9.46
